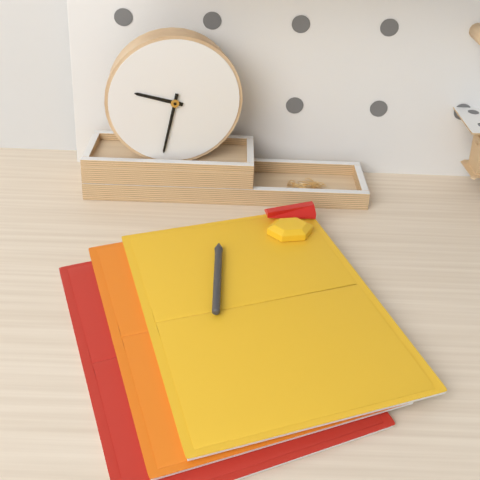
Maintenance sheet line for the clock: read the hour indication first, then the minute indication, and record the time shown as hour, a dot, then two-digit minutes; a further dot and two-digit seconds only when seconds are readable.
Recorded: 9.32
